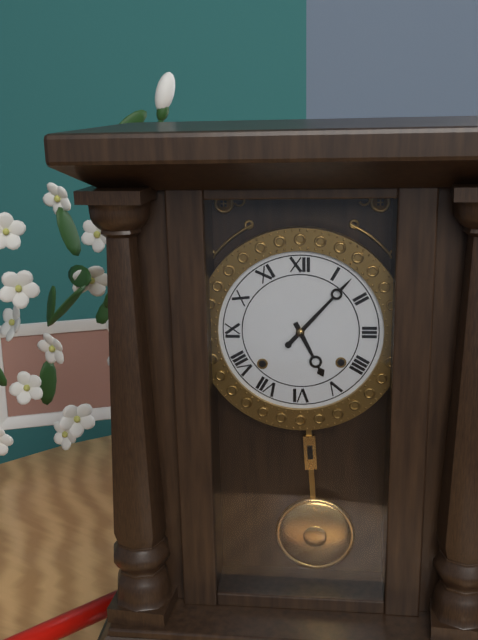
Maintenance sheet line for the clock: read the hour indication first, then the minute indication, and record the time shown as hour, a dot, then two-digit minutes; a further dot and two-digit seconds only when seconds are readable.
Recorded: 5.07
